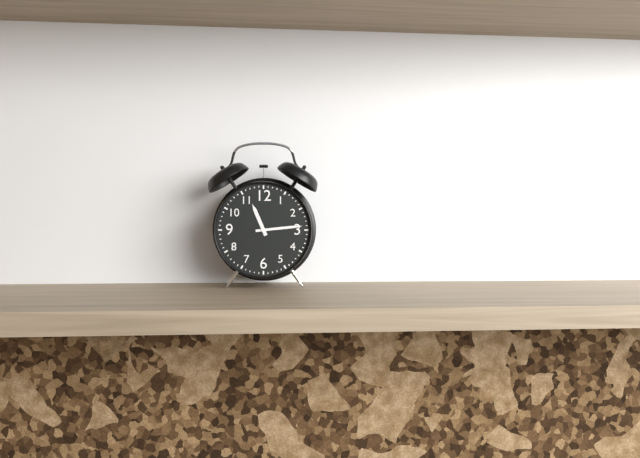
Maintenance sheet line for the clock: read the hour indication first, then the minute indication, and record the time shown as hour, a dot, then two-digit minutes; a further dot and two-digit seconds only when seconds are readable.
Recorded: 11.14
